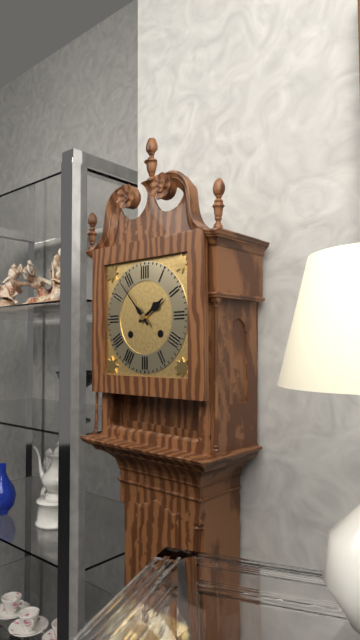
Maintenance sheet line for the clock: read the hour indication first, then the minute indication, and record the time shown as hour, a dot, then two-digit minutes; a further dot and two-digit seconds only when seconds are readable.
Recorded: 1.53
